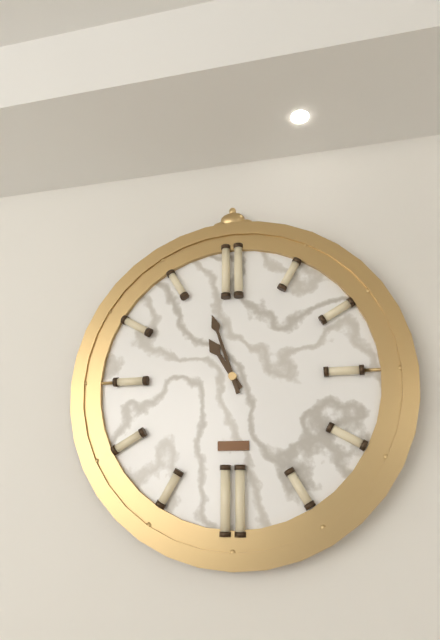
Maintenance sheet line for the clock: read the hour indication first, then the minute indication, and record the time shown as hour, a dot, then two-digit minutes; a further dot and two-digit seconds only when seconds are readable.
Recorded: 10.57
